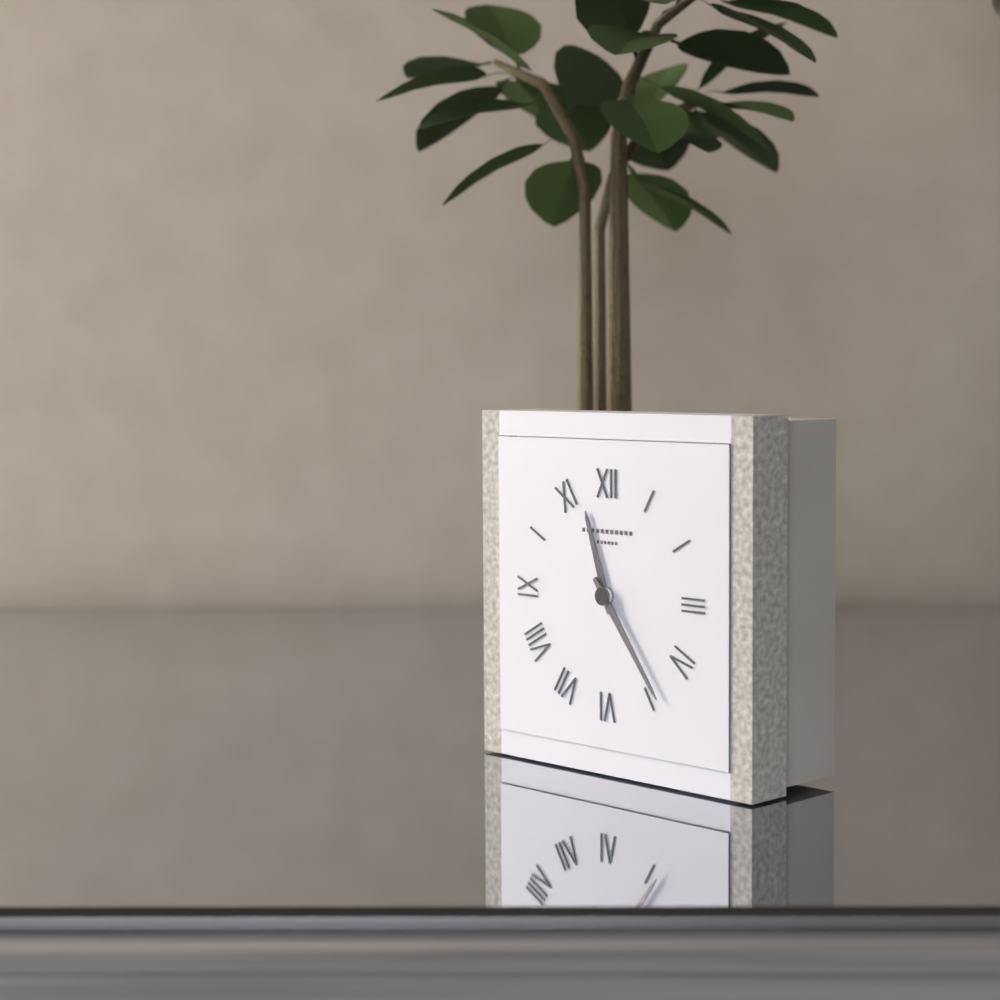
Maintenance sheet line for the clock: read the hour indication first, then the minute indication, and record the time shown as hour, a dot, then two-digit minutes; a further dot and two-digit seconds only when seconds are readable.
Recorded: 11.24
